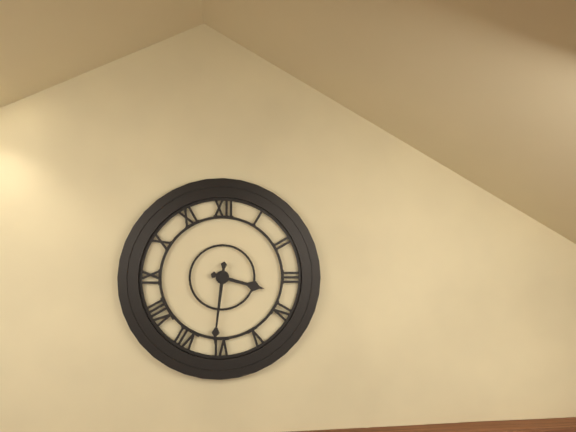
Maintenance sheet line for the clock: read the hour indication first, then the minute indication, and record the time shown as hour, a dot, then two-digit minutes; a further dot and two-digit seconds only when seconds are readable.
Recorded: 3.31
